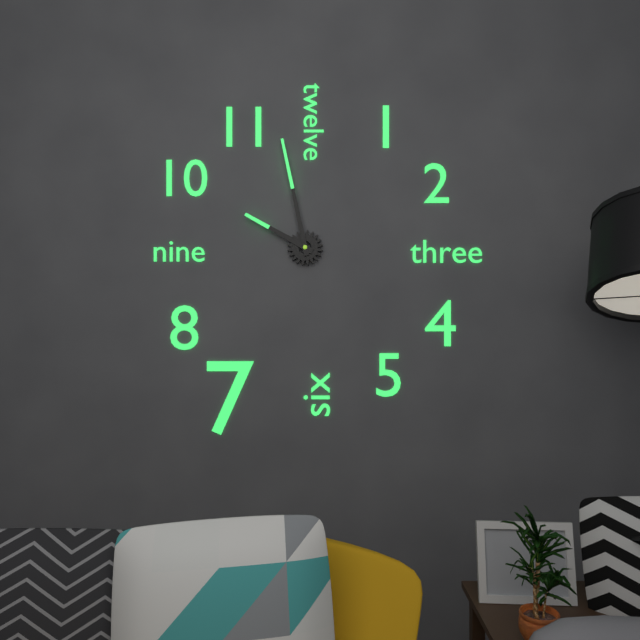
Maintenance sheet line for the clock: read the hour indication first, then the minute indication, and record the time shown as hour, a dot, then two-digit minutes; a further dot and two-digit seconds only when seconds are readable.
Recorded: 9.58
